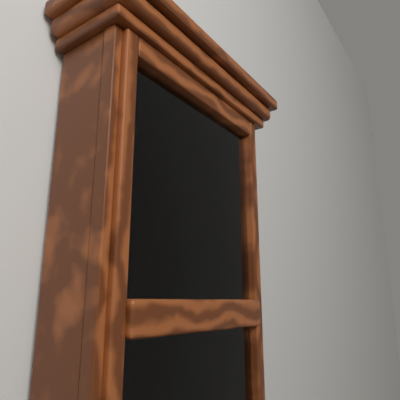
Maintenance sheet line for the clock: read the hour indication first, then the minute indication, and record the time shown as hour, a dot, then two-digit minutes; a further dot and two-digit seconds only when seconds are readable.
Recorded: 4.44
